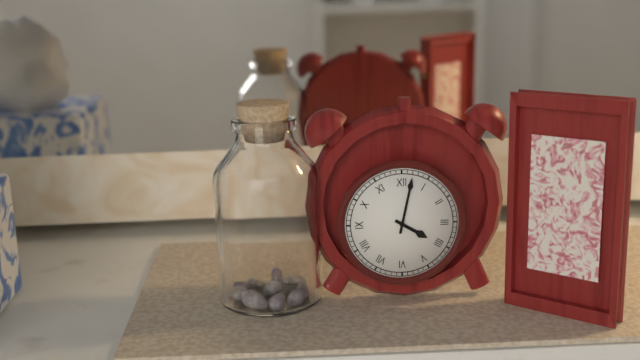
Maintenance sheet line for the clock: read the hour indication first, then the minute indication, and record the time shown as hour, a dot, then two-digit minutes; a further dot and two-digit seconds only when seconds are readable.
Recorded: 4.02
